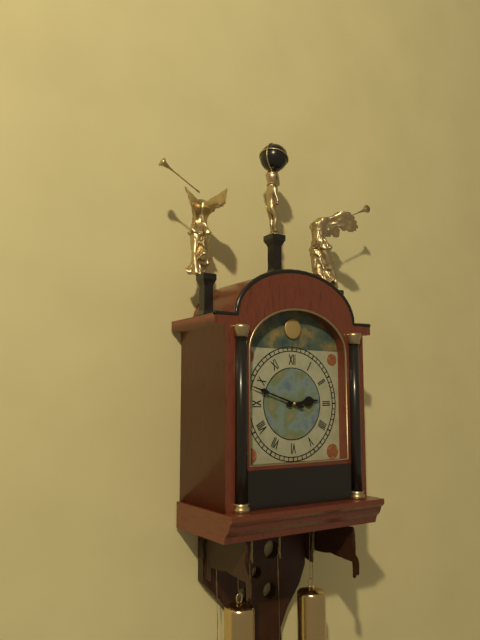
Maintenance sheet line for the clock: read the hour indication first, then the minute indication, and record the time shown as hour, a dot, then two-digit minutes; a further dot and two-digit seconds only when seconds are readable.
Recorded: 2.48
